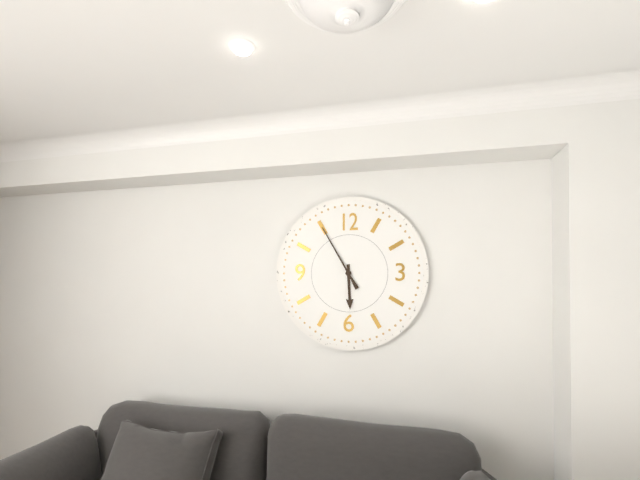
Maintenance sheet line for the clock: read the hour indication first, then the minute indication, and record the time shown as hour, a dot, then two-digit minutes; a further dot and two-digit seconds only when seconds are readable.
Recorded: 5.55
